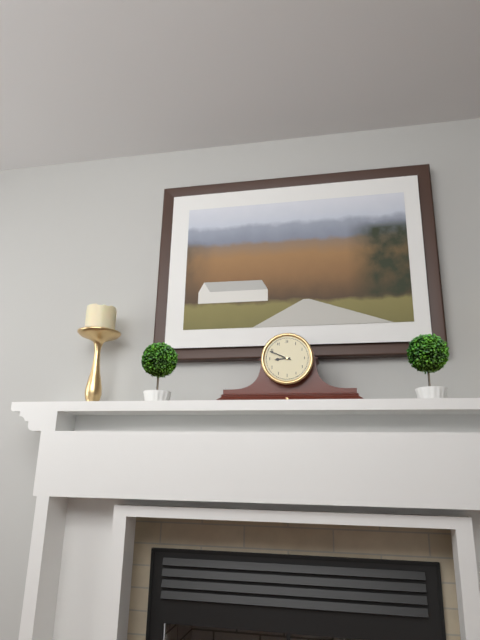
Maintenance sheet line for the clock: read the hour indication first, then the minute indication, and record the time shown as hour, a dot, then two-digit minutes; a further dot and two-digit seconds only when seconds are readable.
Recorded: 8.49
